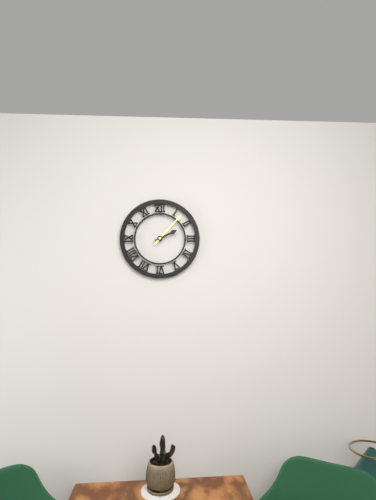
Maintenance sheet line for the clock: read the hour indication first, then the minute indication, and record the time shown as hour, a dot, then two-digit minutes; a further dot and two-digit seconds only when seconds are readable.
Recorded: 2.07
